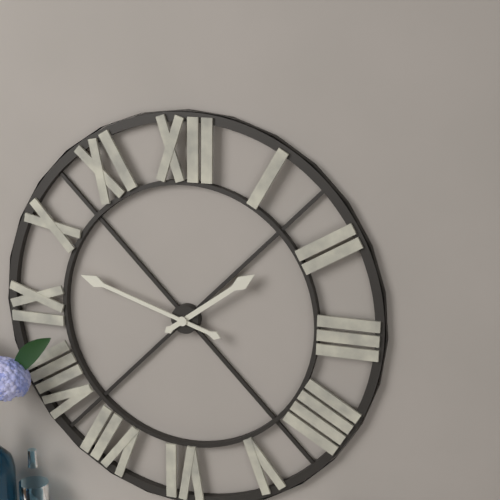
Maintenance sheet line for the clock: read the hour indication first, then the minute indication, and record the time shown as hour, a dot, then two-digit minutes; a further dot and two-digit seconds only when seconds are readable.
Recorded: 1.48
